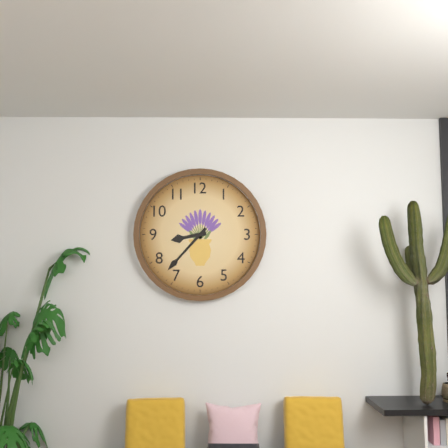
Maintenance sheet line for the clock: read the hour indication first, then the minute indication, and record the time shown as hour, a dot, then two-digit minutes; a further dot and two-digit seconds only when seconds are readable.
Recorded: 8.37
